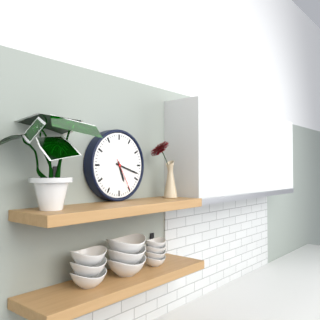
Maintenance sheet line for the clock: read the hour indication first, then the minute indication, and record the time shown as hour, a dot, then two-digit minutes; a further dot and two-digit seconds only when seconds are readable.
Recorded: 5.18
